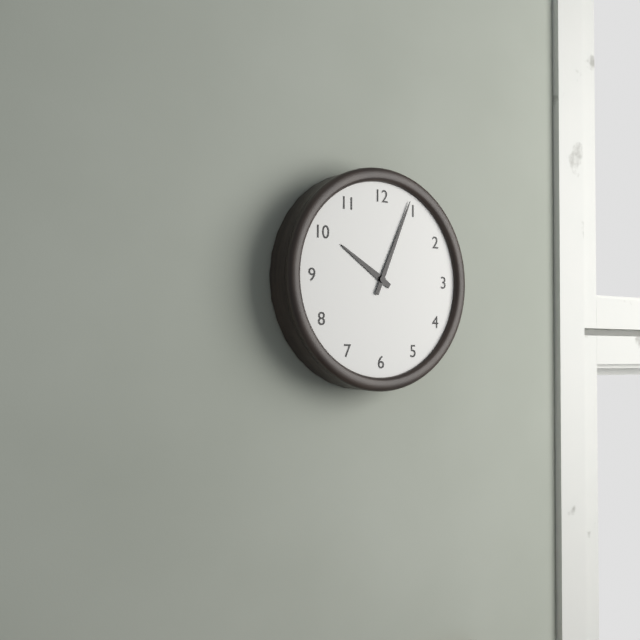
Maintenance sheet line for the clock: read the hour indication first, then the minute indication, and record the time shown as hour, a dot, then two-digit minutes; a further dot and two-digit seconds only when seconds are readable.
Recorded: 10.04
